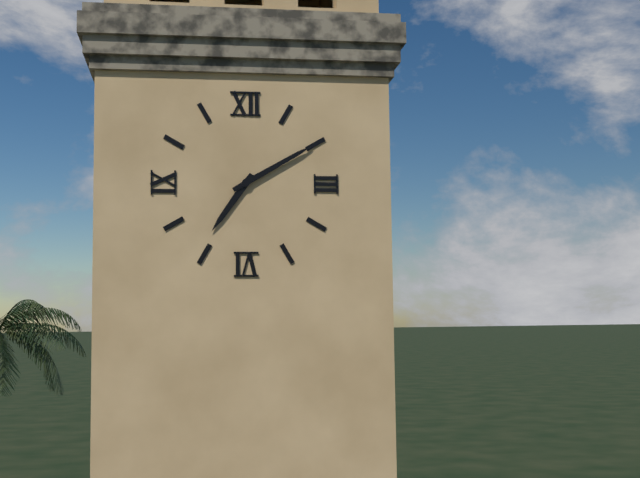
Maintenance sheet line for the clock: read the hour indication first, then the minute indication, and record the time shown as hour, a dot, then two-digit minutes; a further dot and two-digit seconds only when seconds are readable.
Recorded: 7.10
